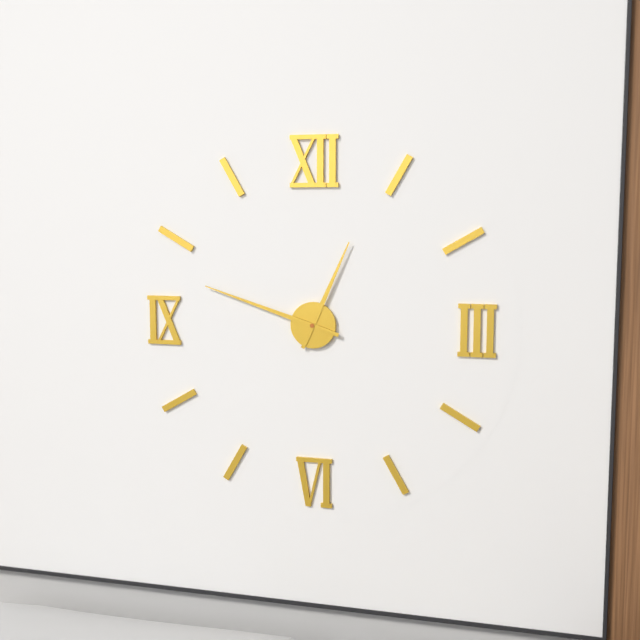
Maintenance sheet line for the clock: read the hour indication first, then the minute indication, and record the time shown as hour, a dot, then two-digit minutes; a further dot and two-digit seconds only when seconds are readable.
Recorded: 12.48
